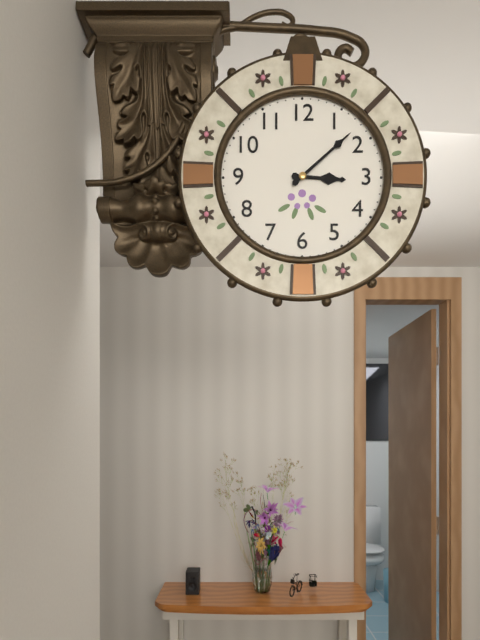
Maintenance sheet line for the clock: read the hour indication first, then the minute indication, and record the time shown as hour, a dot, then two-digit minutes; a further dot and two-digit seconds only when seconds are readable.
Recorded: 3.08
